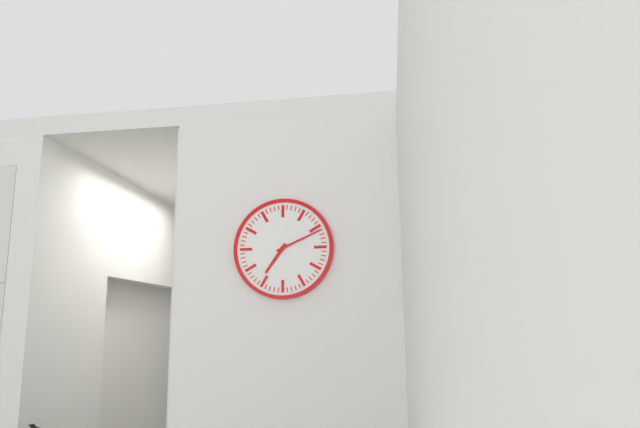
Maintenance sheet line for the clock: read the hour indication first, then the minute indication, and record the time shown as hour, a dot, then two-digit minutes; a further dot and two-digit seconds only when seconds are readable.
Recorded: 7.11
